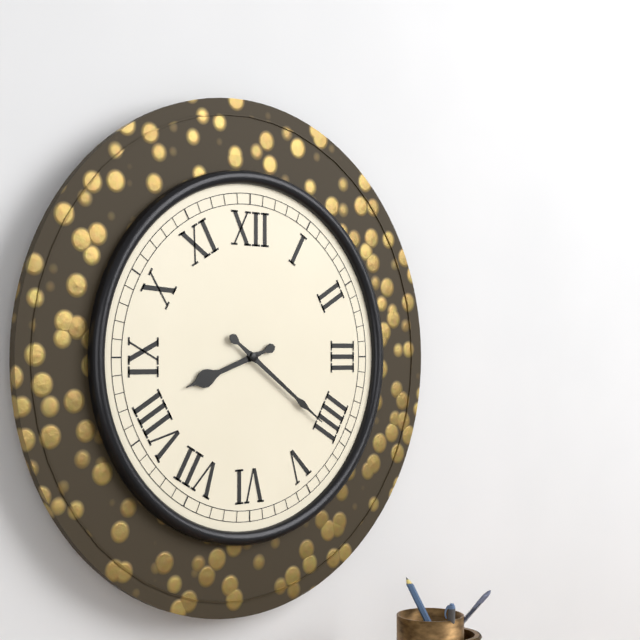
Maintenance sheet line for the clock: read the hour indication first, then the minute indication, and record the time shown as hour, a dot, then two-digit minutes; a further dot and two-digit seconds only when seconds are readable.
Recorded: 8.21
